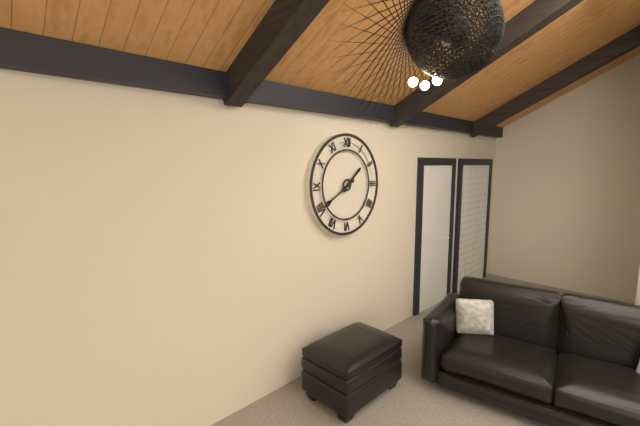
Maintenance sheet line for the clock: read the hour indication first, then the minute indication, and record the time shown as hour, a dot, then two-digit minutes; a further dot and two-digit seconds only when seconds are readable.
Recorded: 1.40
